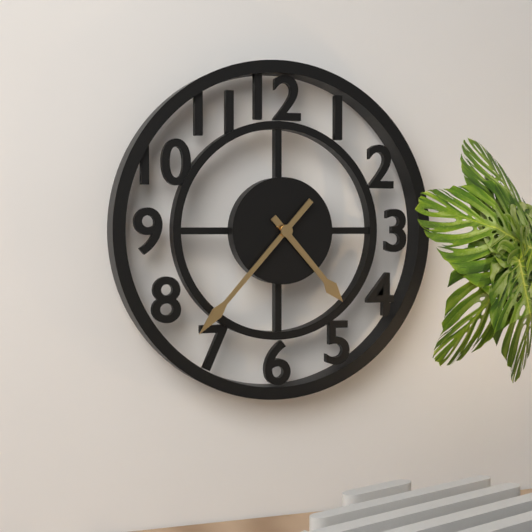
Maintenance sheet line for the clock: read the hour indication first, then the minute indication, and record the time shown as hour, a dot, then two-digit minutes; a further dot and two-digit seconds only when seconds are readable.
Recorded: 4.37
